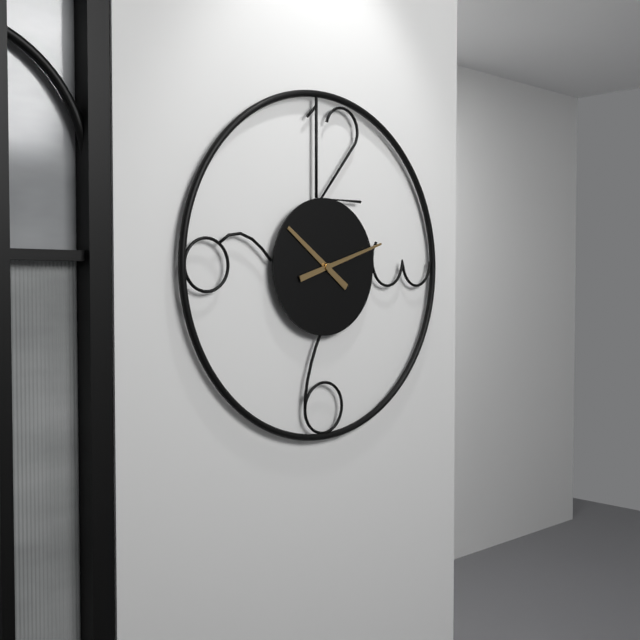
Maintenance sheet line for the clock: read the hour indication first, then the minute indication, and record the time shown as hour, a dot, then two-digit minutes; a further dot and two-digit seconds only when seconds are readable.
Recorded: 10.12
